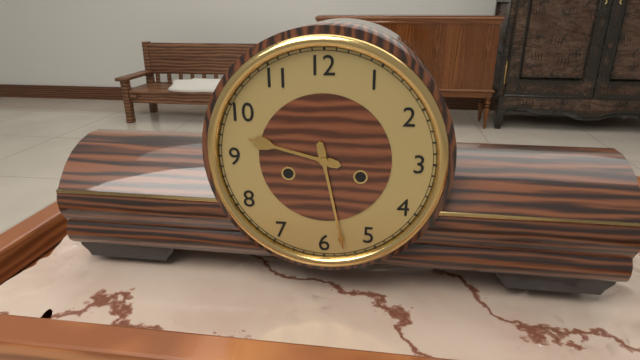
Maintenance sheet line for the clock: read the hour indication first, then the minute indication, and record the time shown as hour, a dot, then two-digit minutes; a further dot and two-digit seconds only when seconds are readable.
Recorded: 9.28
